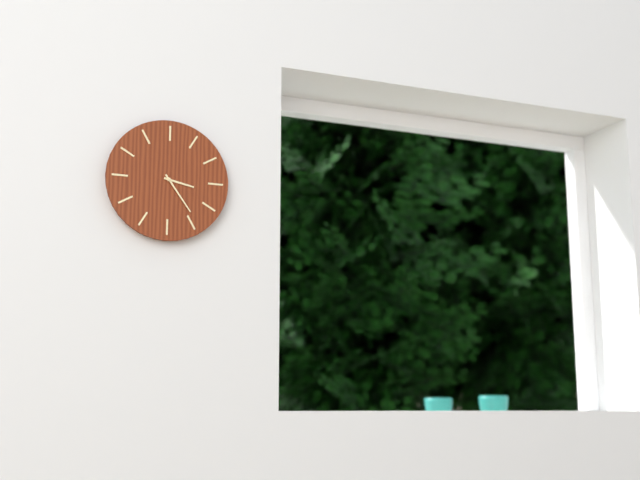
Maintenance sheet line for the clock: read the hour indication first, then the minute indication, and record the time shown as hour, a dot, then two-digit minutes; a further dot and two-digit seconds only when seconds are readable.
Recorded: 3.24
